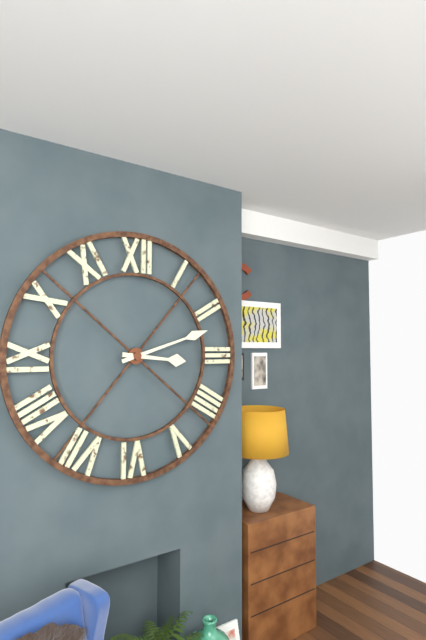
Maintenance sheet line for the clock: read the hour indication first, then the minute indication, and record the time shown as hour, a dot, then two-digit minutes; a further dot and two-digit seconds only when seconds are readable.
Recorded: 3.12
